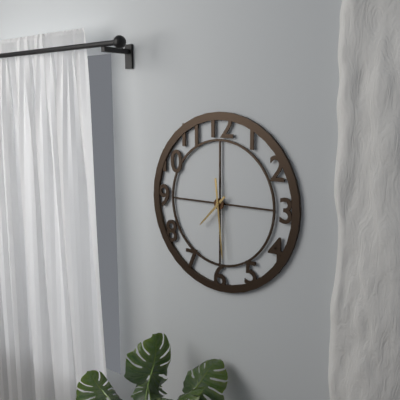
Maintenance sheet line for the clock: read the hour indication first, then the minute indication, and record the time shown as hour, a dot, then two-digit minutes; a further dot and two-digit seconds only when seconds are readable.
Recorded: 7.29
